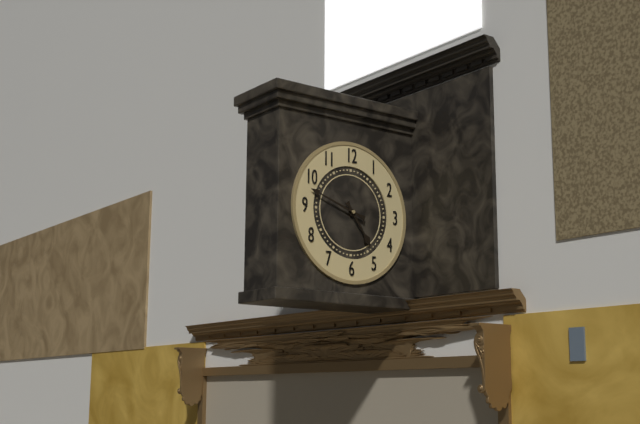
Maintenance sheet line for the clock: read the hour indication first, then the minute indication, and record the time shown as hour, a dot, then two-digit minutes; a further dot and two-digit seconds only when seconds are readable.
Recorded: 4.48
